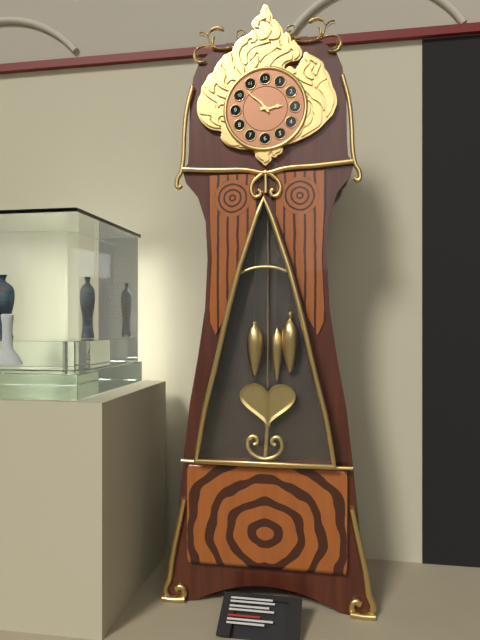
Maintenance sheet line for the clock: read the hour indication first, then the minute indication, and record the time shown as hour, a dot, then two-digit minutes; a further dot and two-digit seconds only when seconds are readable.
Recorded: 2.53
